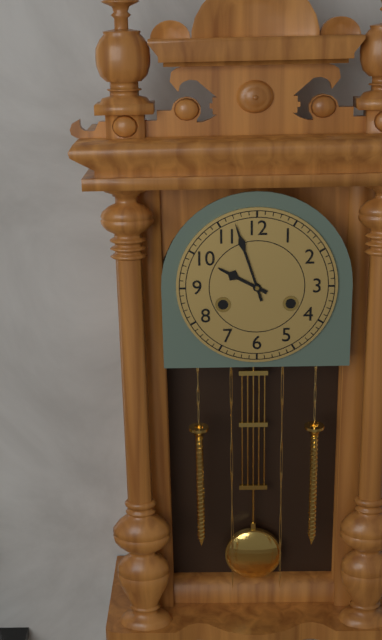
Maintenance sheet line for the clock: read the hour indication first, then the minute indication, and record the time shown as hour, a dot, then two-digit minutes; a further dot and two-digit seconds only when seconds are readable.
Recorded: 9.57
